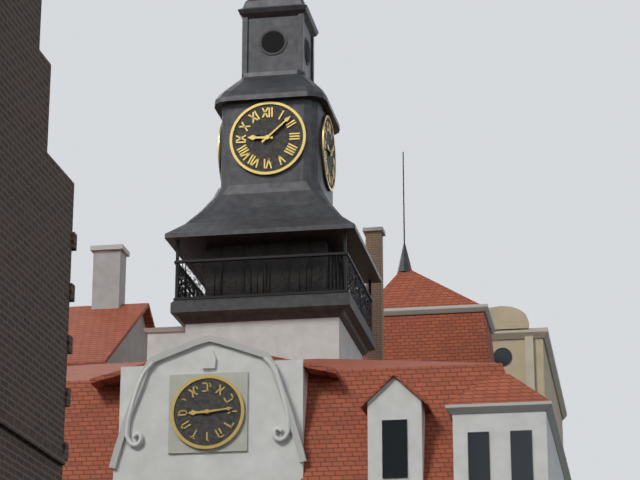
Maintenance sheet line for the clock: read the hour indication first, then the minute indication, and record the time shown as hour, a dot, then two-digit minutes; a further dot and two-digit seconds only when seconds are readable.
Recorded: 9.08
